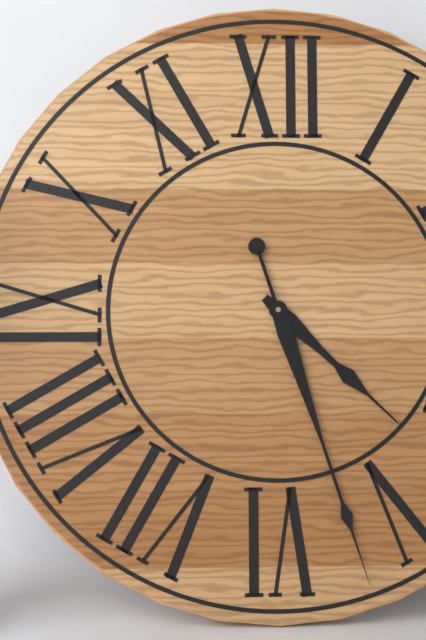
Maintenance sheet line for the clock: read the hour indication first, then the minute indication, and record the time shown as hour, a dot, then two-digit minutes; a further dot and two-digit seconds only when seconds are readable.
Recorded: 4.27
